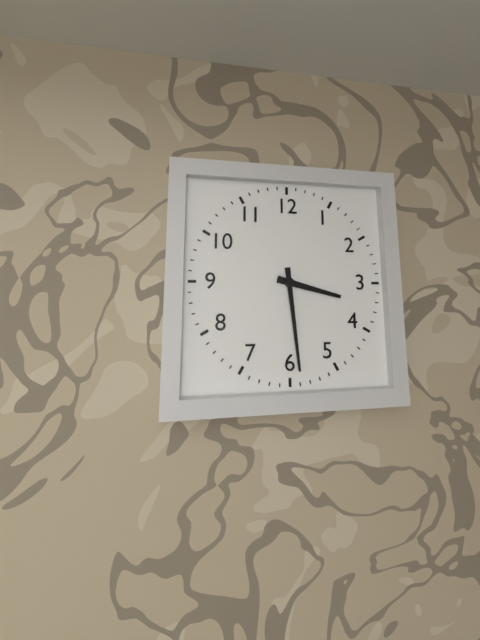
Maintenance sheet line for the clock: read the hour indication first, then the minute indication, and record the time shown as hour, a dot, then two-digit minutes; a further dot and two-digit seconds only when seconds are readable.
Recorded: 3.29
